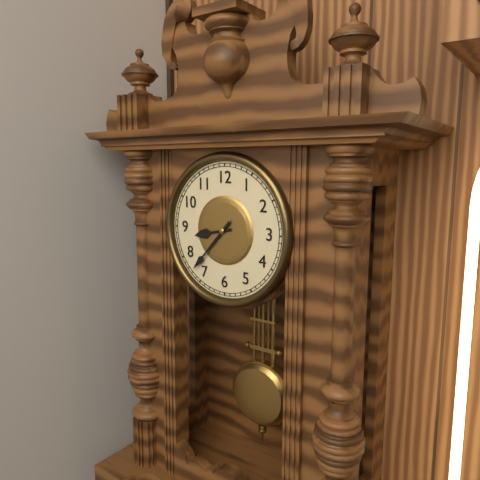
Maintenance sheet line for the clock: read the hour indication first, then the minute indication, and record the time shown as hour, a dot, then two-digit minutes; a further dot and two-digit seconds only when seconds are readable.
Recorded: 8.37
